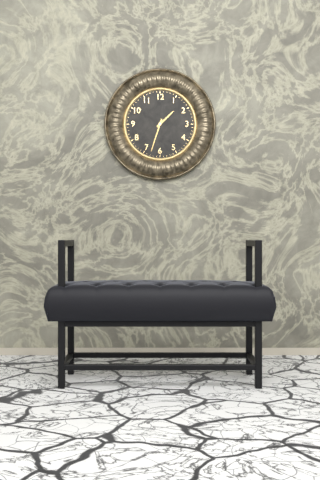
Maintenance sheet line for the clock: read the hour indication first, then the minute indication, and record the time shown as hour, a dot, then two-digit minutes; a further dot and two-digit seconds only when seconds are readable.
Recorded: 1.33
